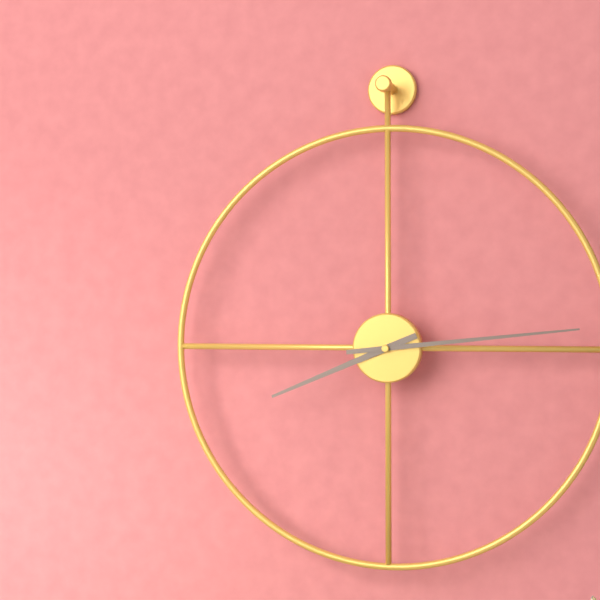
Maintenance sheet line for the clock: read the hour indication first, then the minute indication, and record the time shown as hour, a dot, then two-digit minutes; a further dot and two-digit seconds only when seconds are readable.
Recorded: 8.14
